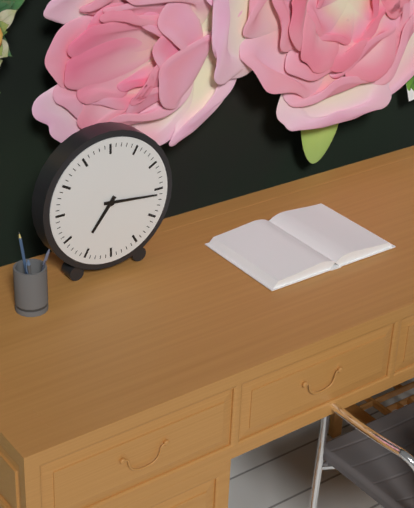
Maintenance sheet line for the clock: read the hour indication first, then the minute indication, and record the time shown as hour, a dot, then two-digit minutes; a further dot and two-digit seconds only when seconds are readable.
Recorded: 7.16
